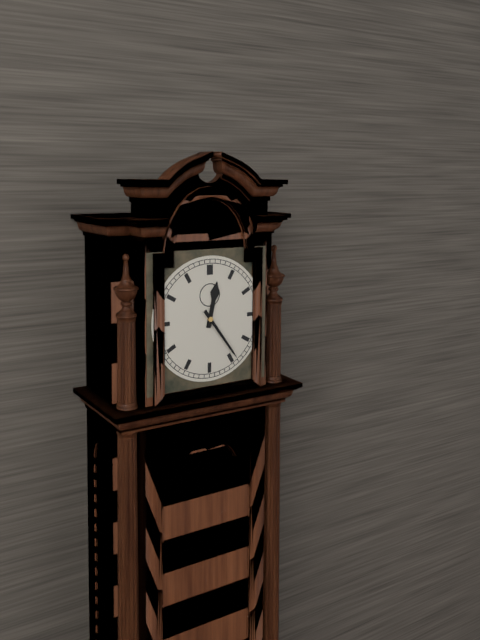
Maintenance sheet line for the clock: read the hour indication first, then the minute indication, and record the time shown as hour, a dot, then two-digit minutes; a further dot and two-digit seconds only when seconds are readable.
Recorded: 12.24
